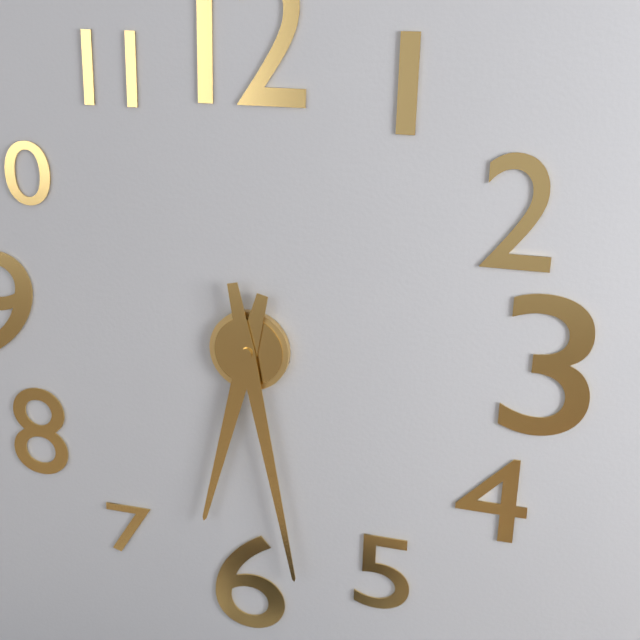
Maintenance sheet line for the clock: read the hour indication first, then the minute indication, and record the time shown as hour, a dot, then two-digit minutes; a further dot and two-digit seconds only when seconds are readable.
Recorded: 6.28
